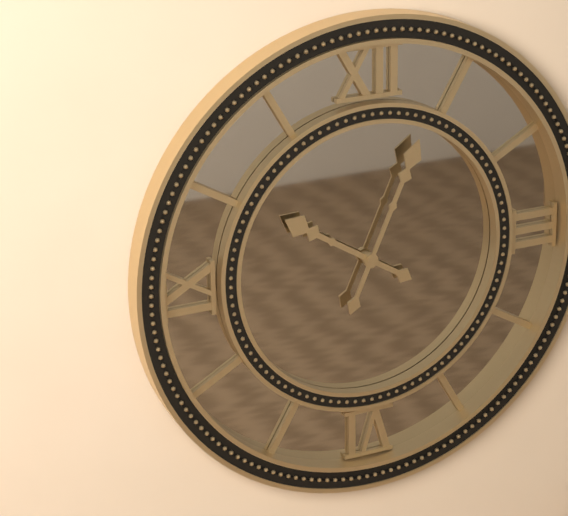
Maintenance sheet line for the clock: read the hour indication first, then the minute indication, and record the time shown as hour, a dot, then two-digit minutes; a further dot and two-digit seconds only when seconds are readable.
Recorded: 10.04
